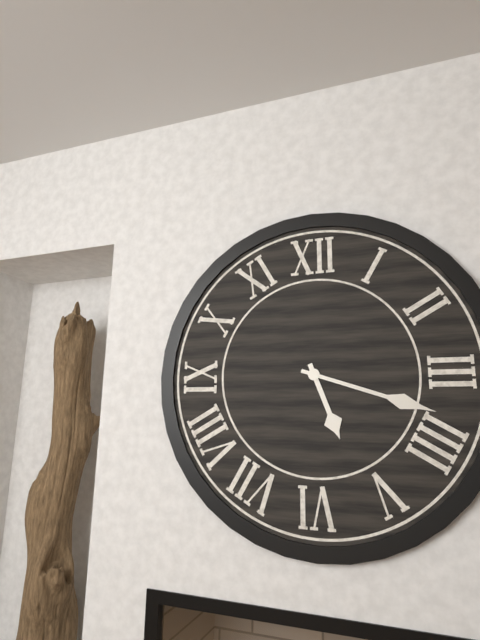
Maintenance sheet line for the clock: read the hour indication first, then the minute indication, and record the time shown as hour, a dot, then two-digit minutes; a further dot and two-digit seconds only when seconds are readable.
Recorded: 5.18
